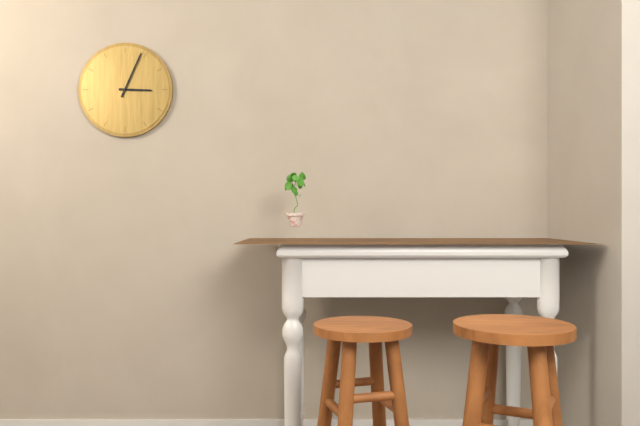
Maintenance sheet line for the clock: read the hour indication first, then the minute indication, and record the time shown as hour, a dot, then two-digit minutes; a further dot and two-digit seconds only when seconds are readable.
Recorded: 3.04
